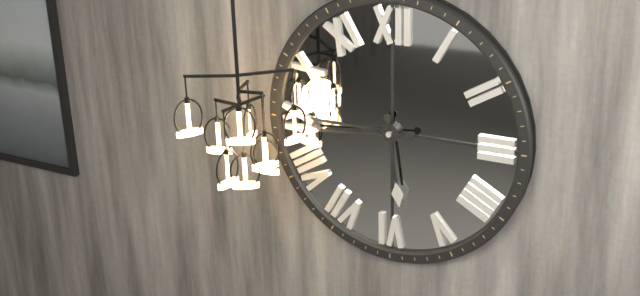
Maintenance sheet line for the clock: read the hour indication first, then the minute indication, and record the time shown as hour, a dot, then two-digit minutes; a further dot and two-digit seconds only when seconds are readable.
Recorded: 5.44
